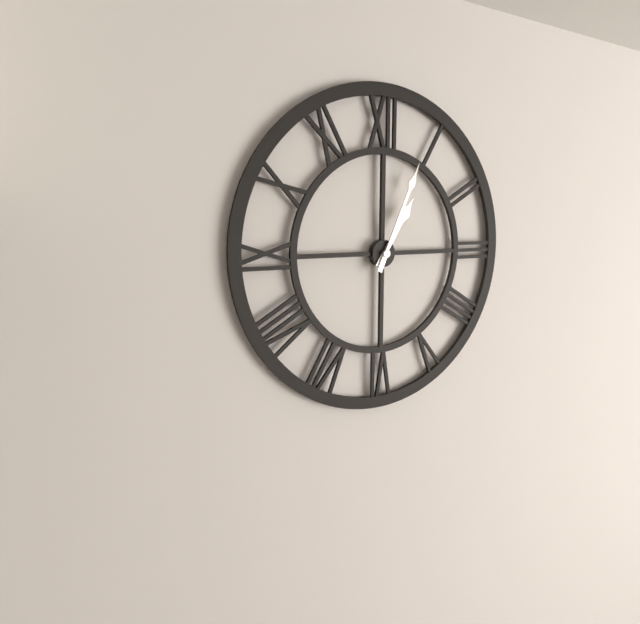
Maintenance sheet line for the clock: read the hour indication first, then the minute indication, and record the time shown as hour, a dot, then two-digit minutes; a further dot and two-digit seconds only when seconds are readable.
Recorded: 1.04
